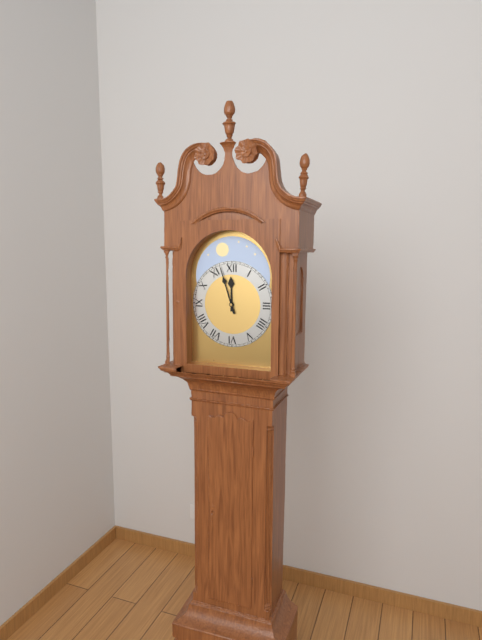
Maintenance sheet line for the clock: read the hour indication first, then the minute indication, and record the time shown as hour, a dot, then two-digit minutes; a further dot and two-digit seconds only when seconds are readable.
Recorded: 11.57
